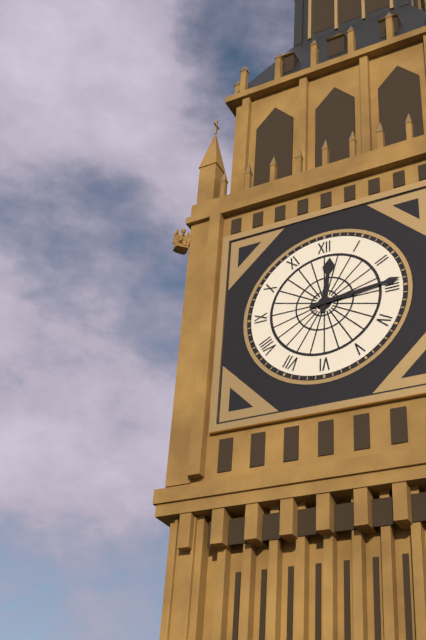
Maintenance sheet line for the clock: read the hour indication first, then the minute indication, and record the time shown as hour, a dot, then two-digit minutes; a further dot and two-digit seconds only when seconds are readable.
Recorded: 12.14
